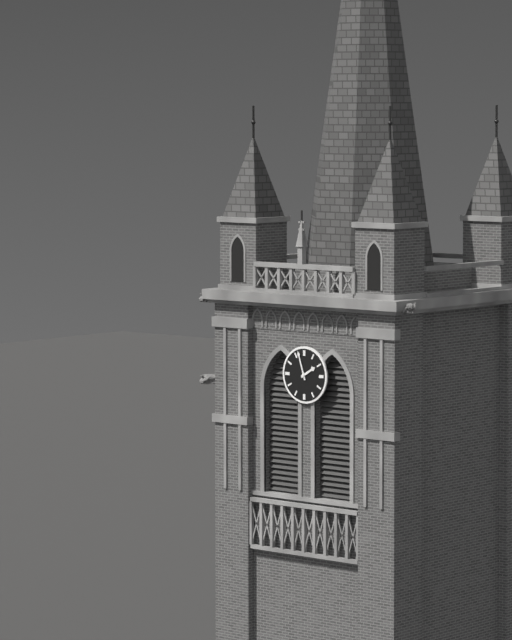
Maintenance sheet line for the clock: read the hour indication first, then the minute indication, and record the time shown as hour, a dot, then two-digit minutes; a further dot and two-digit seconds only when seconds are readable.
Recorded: 1.57
